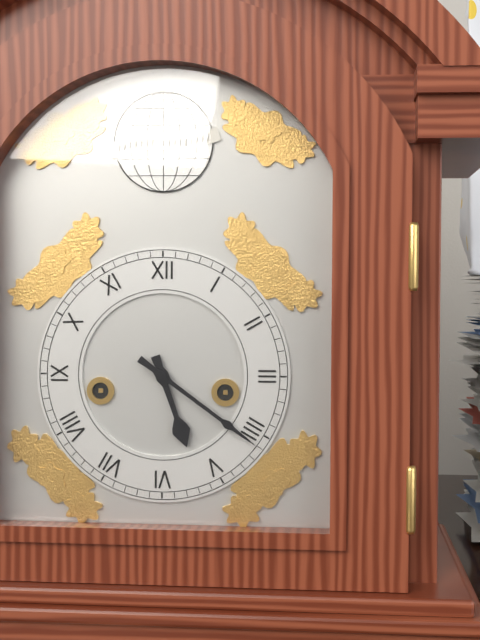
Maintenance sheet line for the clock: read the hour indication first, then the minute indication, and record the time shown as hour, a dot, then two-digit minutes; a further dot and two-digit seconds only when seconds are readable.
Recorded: 5.21
